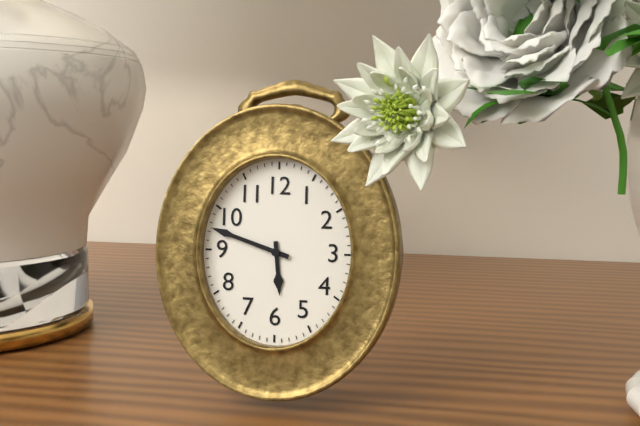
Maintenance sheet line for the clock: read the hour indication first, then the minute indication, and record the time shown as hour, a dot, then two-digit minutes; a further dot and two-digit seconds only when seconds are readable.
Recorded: 5.48
